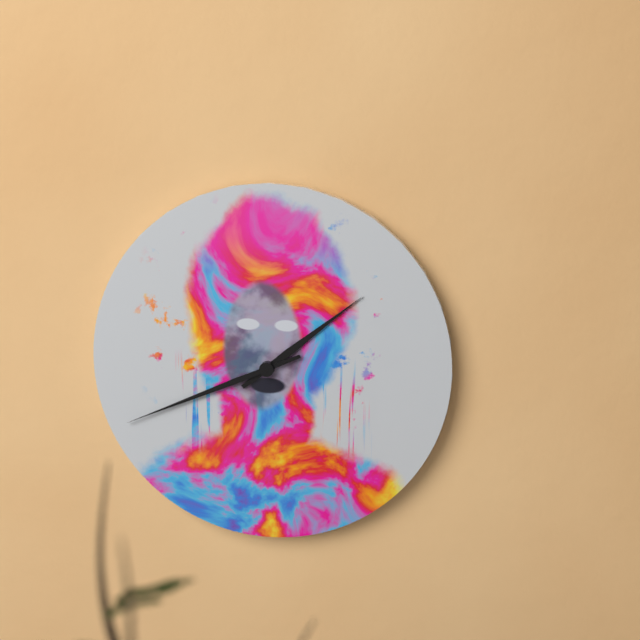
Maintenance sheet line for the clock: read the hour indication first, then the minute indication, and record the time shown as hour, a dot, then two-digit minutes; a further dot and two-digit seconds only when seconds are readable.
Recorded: 1.41
